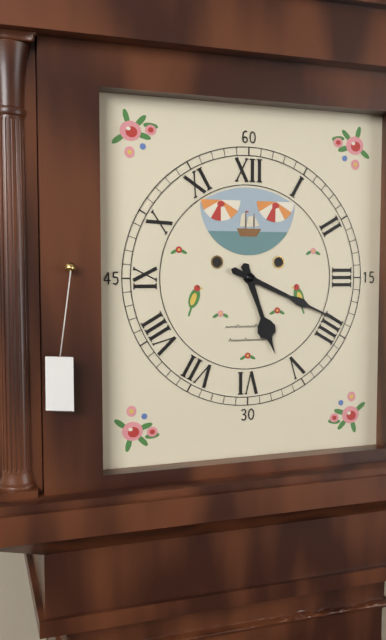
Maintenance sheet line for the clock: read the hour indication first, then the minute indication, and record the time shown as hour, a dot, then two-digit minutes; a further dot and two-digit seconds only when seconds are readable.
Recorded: 5.19
